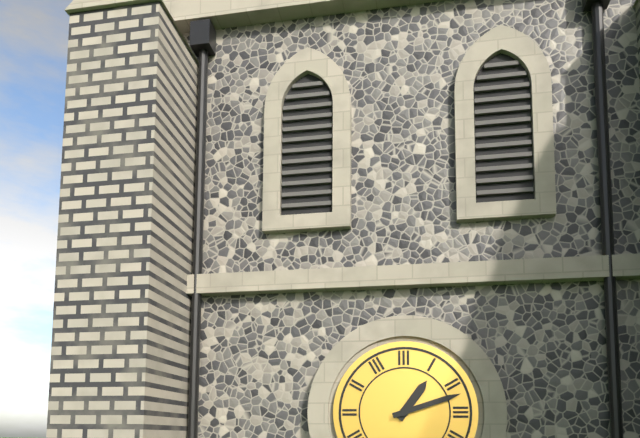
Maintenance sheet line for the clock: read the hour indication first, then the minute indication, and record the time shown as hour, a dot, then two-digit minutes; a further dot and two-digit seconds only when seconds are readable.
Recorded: 1.12
